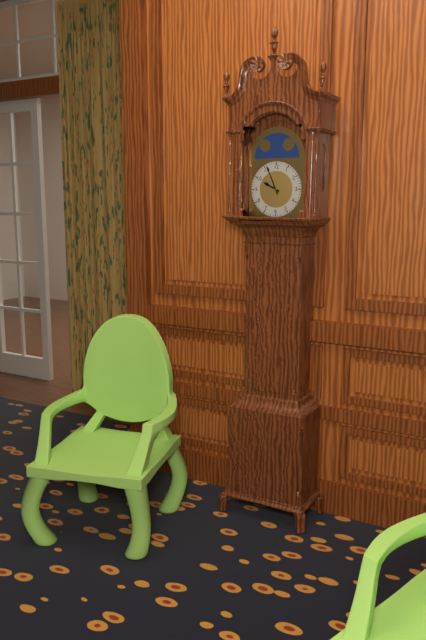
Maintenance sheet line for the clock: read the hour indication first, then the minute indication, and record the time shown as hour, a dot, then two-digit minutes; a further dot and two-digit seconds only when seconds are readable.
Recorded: 9.56
